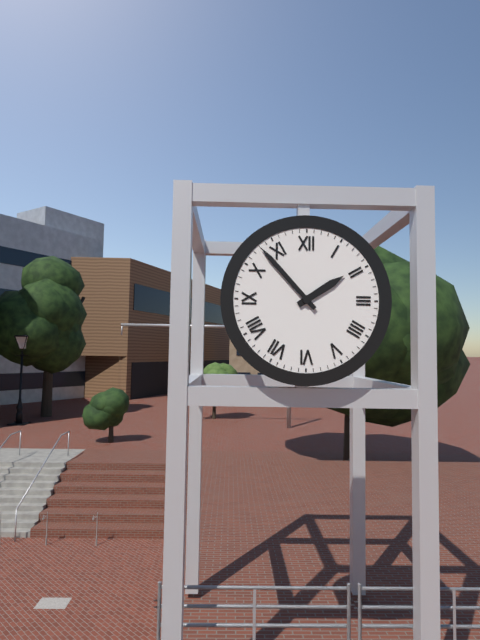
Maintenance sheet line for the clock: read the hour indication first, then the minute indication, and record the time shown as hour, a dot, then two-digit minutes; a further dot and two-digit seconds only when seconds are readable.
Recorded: 1.53
